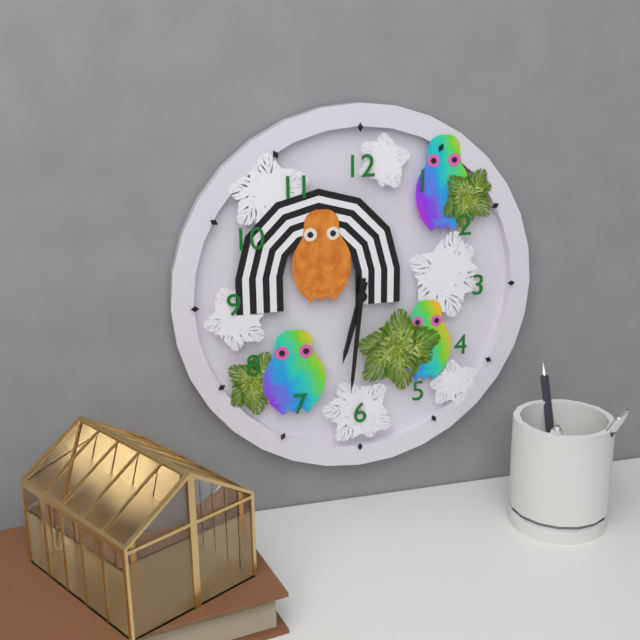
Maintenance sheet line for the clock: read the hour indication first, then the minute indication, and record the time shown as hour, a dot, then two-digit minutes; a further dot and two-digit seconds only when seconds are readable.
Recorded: 6.31
